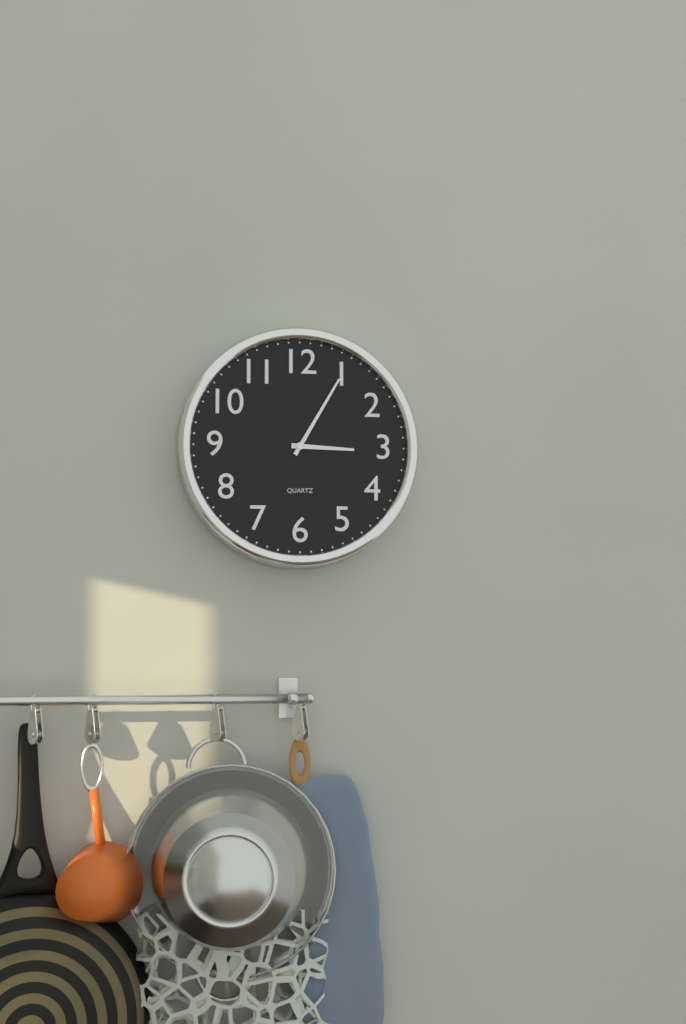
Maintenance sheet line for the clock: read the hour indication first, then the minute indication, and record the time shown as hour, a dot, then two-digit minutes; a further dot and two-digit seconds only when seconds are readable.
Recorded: 3.05
